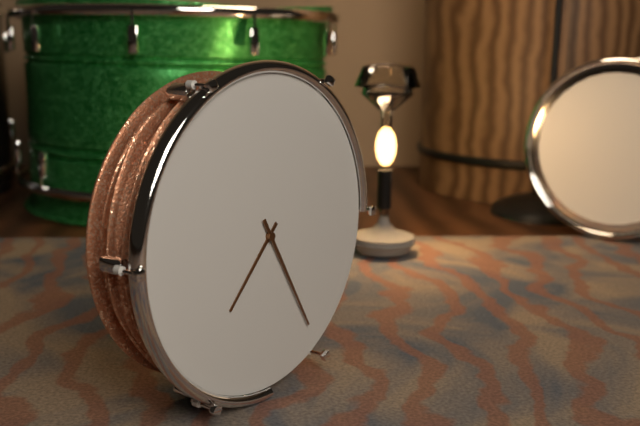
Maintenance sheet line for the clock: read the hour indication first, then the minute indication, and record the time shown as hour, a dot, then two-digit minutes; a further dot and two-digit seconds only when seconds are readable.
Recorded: 7.25
